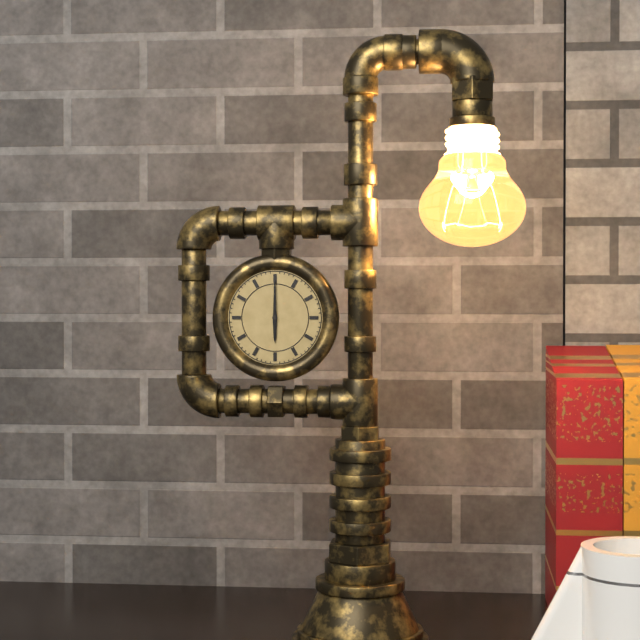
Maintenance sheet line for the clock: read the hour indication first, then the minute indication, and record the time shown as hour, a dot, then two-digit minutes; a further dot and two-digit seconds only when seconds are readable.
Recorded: 6.00
